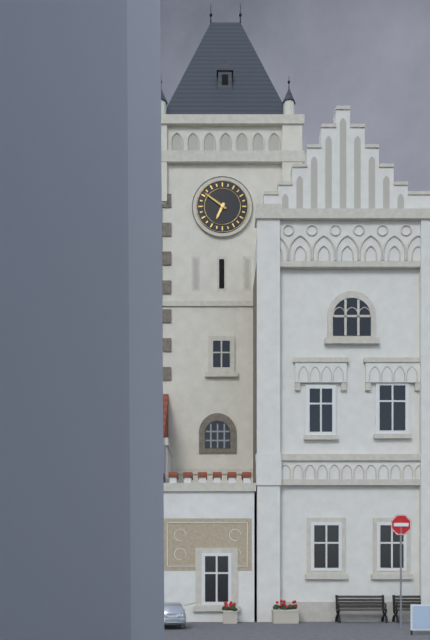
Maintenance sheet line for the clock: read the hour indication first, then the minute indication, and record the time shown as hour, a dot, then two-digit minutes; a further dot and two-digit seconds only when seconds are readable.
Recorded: 6.51
